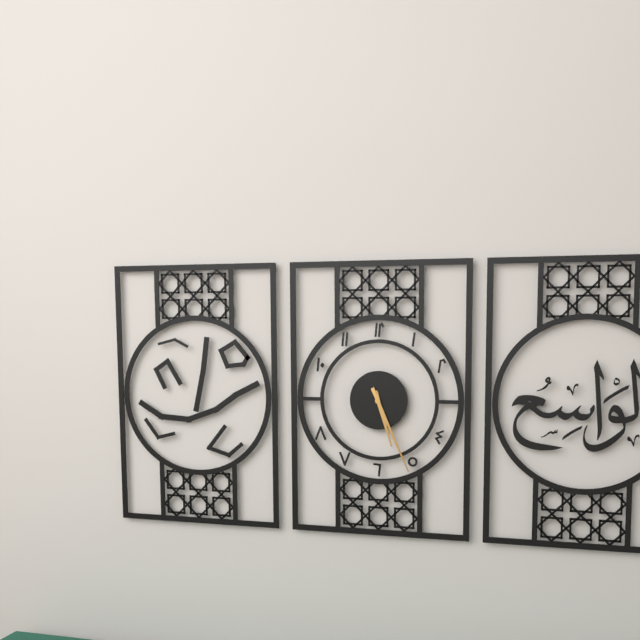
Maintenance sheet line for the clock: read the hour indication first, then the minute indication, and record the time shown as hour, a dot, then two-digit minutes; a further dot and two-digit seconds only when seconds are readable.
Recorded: 5.26
